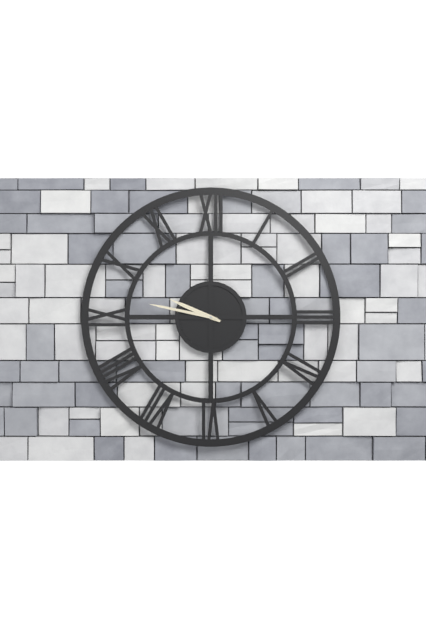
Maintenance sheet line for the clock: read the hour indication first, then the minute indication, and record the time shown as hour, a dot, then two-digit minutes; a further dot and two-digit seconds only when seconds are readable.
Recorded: 9.47
